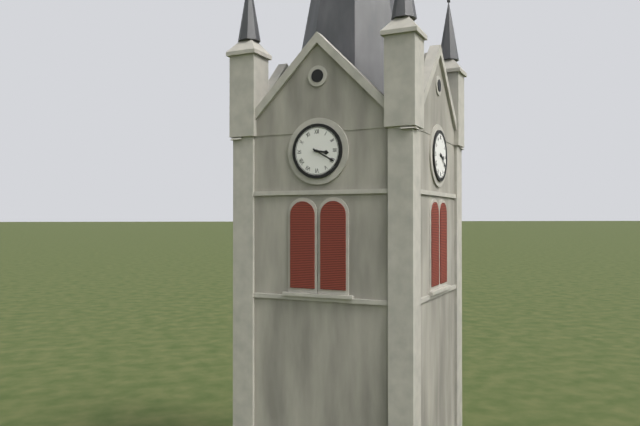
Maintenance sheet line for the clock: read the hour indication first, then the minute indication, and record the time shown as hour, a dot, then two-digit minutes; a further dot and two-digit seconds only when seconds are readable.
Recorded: 3.20
